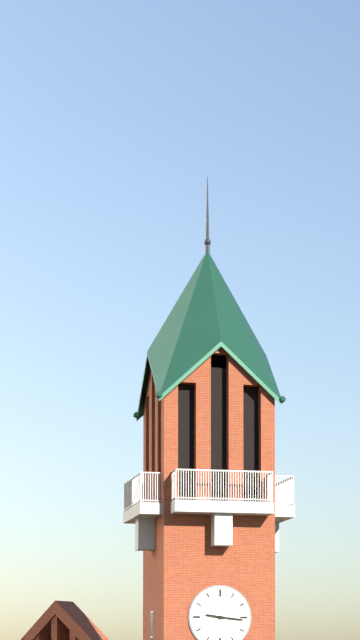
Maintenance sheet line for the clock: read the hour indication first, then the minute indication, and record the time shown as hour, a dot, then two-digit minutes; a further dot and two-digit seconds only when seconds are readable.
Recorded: 9.16
